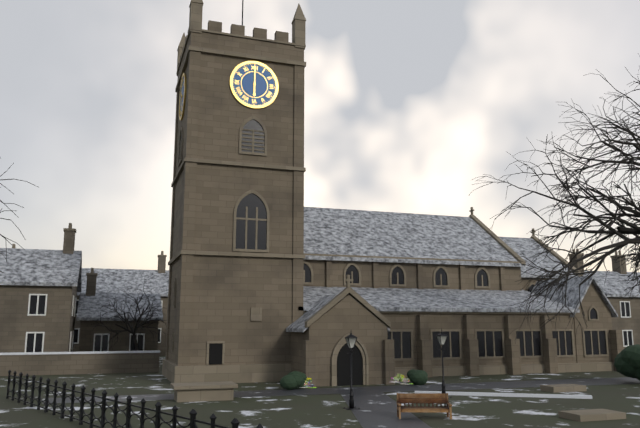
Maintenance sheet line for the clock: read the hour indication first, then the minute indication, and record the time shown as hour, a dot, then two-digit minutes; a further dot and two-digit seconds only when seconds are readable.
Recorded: 6.00
